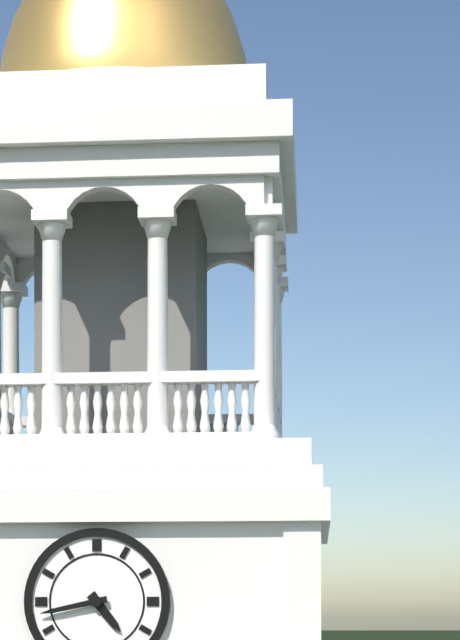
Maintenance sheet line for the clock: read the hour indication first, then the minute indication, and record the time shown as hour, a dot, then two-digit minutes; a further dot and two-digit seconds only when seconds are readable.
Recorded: 4.43
